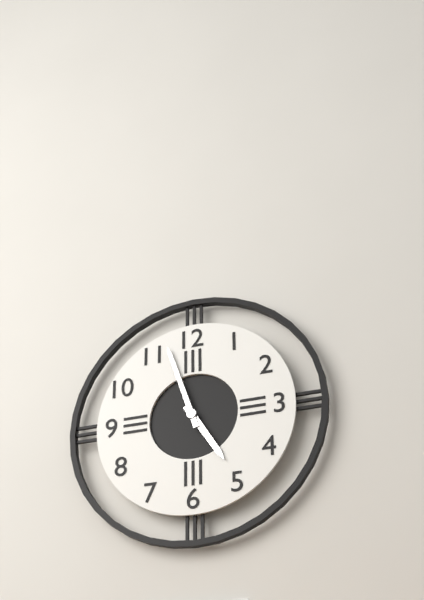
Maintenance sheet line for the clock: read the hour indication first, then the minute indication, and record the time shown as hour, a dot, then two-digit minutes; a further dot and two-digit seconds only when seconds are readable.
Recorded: 4.57
